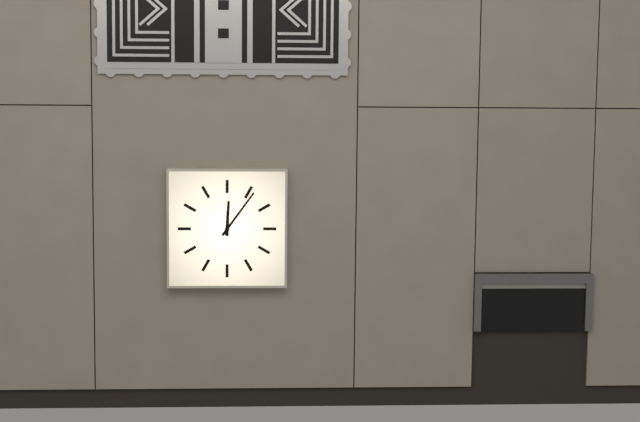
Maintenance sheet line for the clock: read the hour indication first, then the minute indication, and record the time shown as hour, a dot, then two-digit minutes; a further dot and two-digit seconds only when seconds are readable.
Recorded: 12.06
